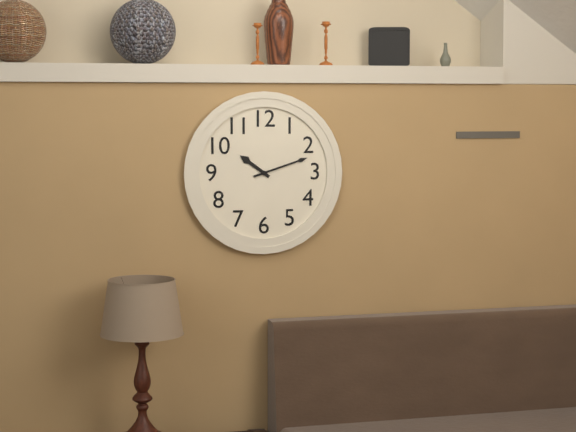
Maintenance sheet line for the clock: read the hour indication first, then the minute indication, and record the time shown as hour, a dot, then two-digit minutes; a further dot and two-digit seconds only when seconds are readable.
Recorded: 10.12
